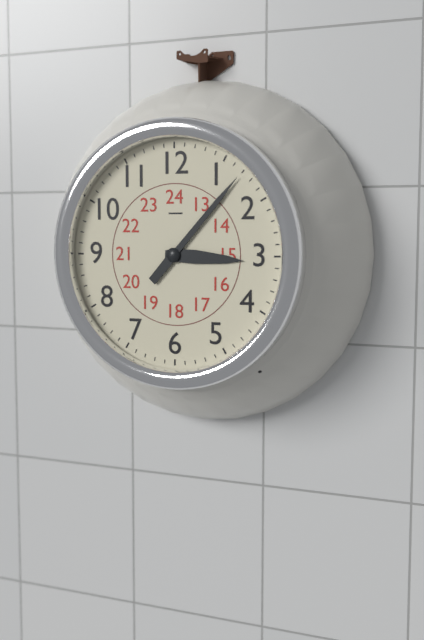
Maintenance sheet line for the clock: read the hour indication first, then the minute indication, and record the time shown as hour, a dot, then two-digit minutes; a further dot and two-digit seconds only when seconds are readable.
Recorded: 3.07
